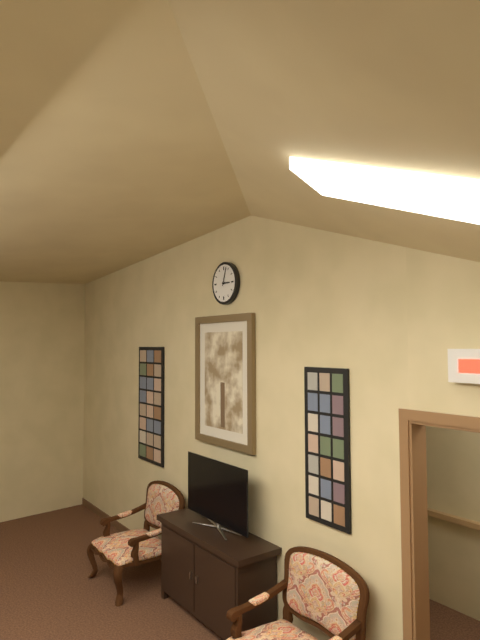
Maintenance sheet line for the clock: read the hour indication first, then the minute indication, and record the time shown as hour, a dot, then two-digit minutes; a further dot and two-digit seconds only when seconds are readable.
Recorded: 3.03
